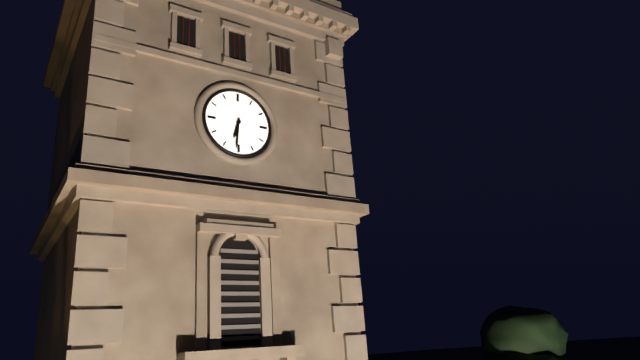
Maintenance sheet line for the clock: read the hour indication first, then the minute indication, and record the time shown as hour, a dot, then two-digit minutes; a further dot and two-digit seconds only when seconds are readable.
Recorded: 6.31
